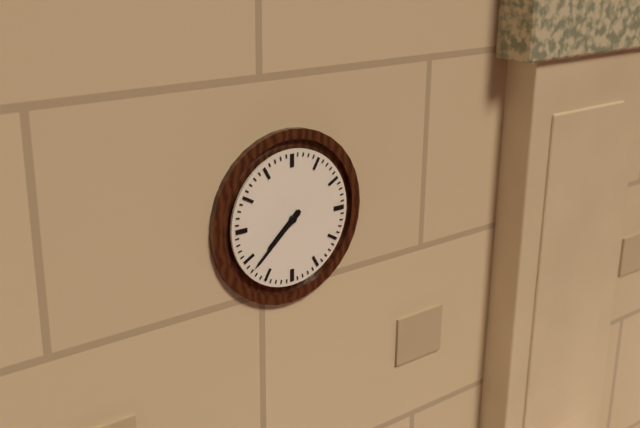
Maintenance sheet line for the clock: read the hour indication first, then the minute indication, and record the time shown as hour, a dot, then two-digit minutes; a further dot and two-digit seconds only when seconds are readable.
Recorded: 7.38
